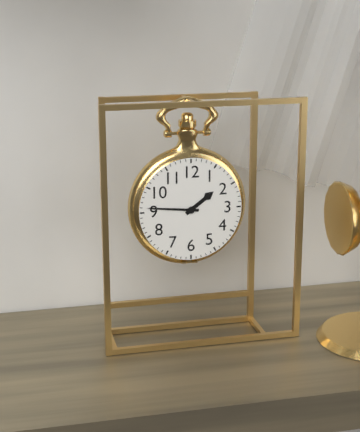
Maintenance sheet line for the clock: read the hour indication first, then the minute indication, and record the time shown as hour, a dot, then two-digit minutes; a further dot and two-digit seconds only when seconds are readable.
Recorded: 1.46
